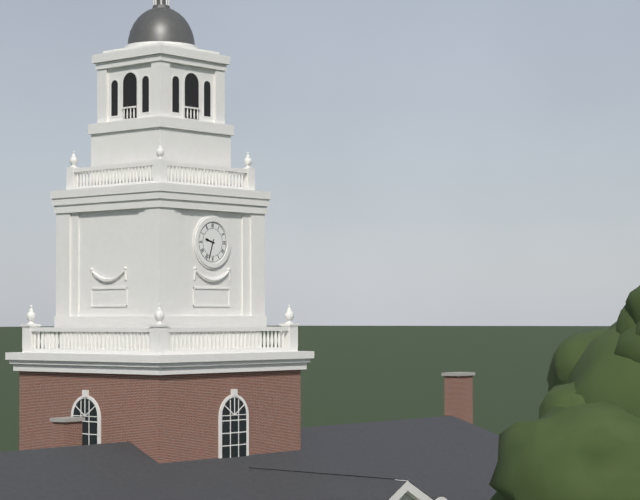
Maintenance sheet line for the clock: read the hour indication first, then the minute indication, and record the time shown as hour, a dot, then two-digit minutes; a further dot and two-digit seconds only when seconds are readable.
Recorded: 9.33
